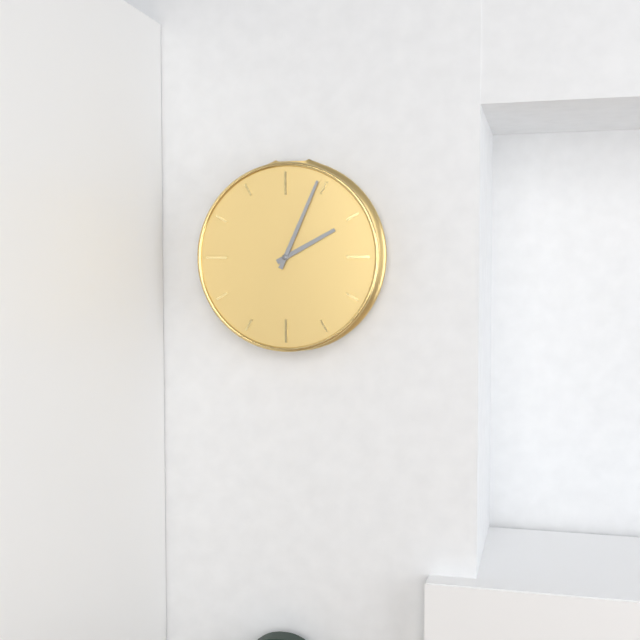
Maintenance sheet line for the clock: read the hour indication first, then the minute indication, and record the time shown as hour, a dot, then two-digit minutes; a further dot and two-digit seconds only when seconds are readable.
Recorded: 2.04
